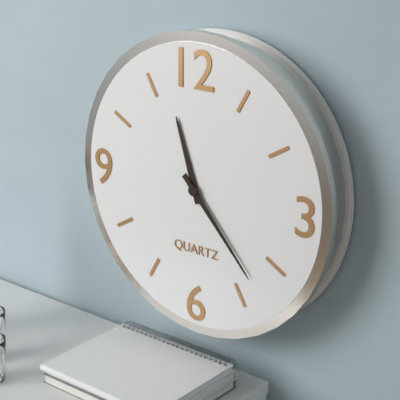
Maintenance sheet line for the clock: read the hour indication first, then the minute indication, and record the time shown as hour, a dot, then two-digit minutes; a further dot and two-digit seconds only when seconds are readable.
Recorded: 11.23
